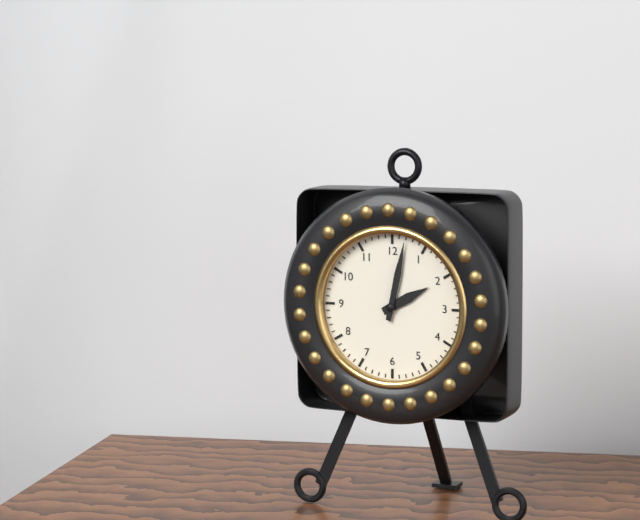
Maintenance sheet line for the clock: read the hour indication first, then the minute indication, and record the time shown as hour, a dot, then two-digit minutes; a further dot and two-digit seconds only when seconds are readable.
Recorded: 2.02
